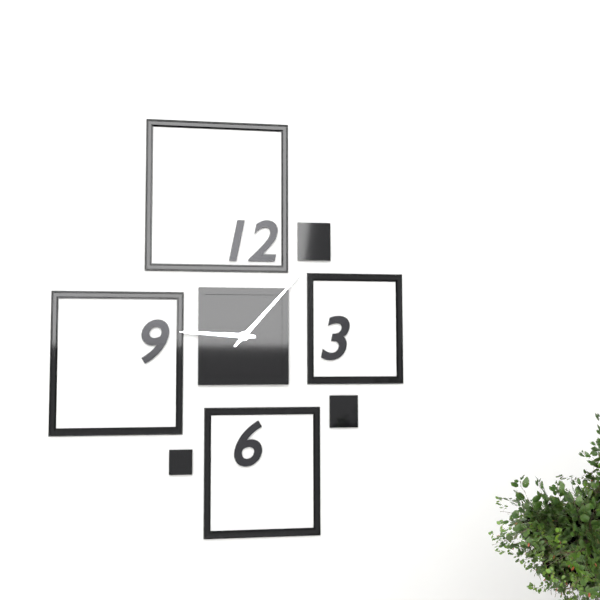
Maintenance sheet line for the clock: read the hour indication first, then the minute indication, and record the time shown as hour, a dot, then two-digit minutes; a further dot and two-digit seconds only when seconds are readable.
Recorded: 9.07
